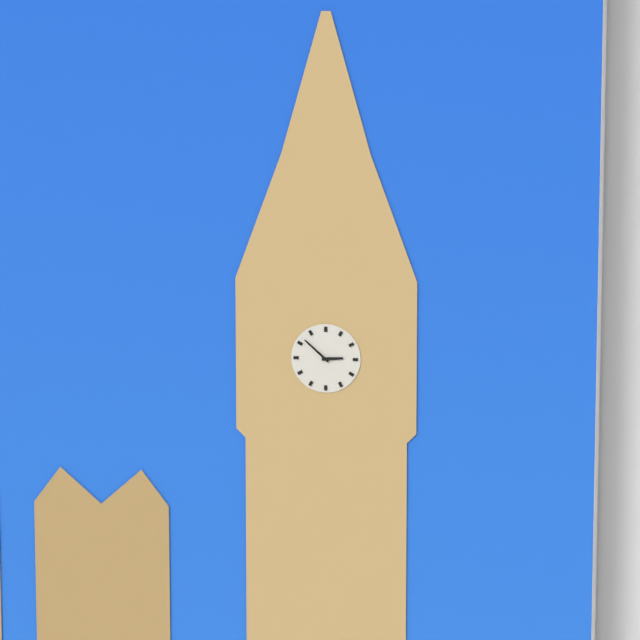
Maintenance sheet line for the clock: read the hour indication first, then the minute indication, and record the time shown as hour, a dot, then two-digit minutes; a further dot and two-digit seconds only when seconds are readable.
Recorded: 2.52
